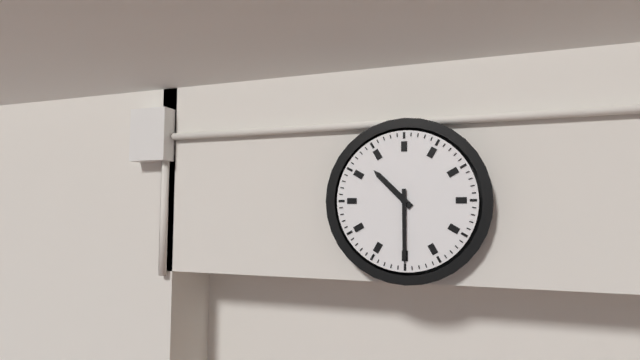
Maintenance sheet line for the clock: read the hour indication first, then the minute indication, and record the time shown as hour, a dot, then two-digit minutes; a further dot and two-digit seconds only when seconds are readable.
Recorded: 10.30
